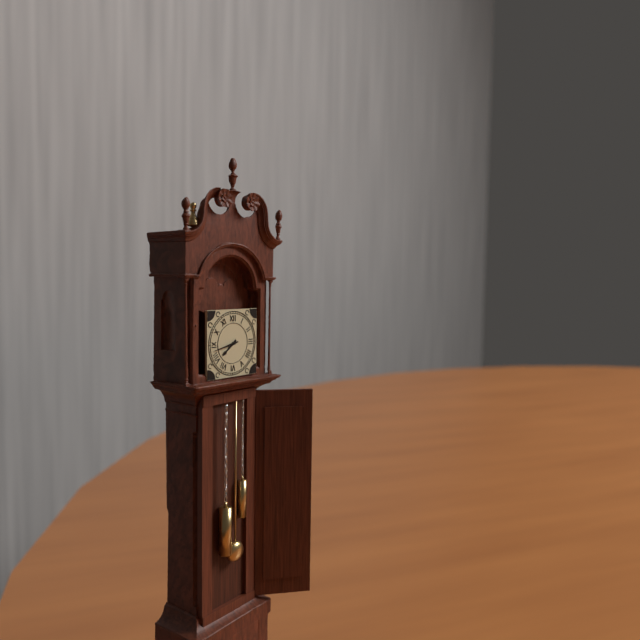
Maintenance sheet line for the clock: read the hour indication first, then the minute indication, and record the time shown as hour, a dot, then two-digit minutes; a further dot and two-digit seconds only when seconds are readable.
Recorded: 7.43
